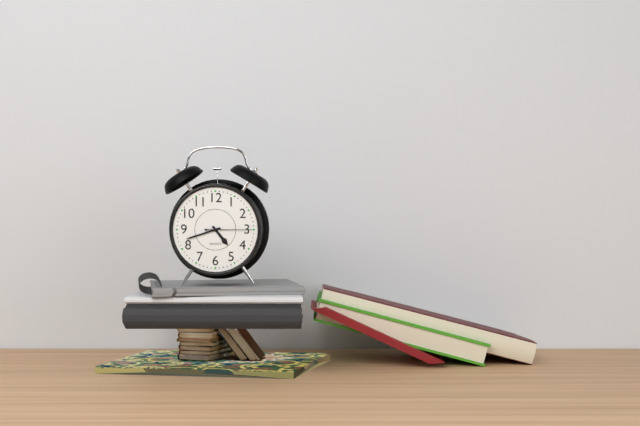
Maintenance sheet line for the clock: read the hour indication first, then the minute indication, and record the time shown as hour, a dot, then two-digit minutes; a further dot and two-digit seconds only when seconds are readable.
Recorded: 4.42
